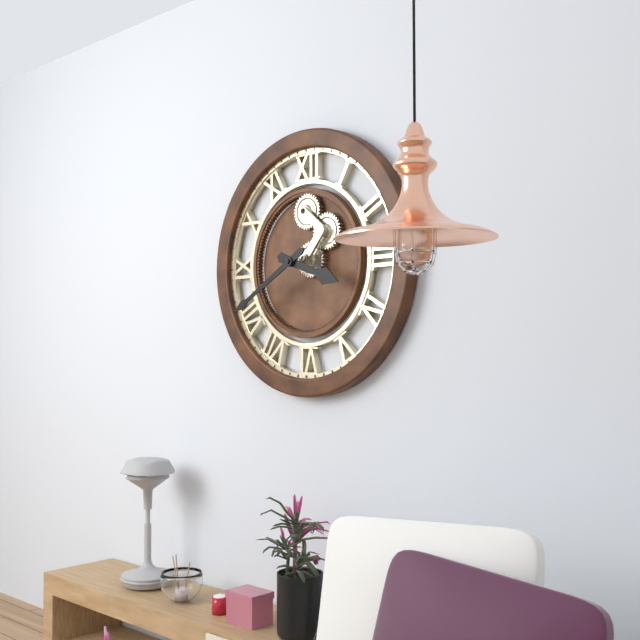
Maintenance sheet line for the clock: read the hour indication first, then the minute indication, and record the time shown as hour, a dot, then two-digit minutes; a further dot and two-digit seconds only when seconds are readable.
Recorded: 3.40
